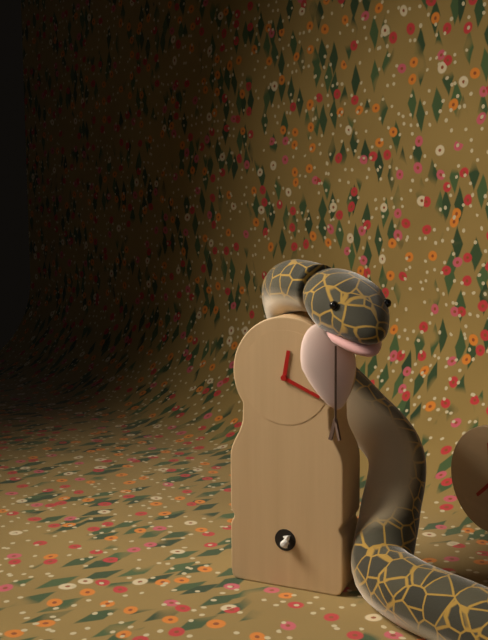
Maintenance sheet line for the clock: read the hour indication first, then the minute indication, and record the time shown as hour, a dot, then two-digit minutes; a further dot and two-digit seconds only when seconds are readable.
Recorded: 12.19
